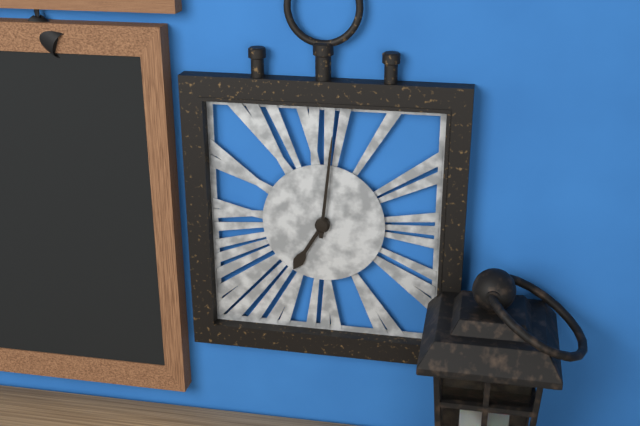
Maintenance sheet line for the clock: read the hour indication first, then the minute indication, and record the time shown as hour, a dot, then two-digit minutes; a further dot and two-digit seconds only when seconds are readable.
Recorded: 7.01
